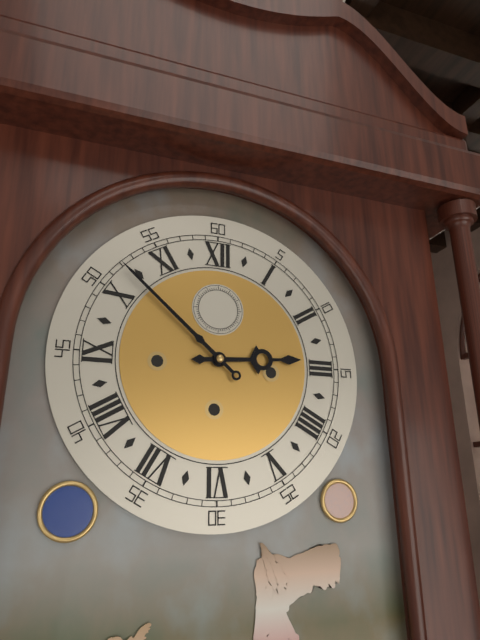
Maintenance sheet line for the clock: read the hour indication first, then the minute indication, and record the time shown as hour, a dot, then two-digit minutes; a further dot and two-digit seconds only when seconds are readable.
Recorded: 2.52
